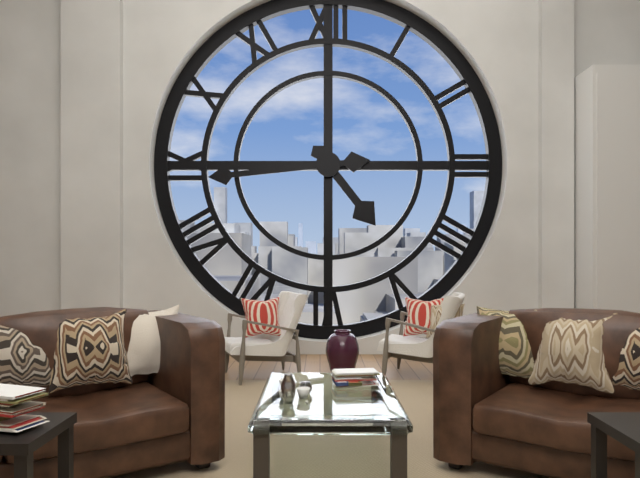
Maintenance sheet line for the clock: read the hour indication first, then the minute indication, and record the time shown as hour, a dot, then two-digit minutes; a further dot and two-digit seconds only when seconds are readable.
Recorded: 4.44
